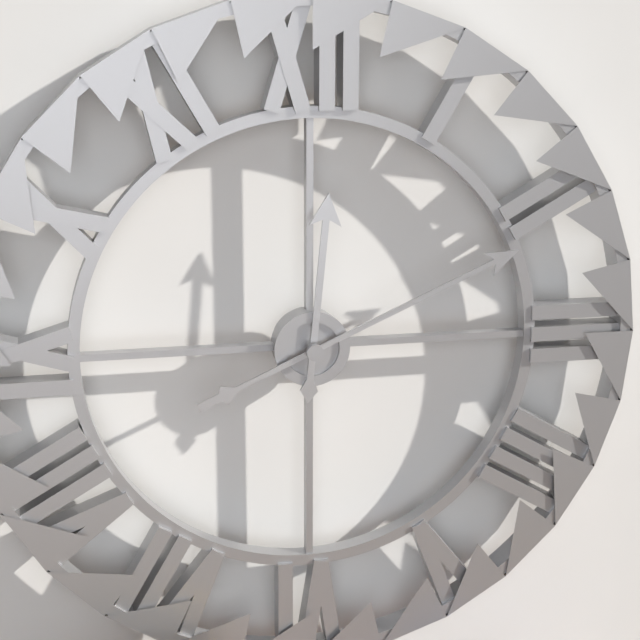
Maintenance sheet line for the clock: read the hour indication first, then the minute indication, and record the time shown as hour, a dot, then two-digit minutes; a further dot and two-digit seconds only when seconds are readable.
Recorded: 12.11
